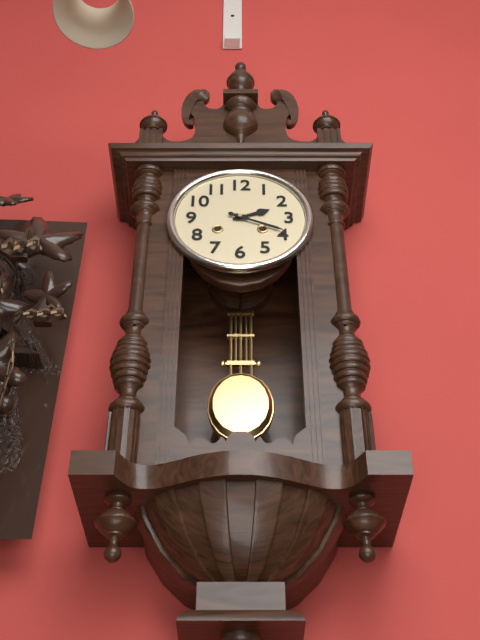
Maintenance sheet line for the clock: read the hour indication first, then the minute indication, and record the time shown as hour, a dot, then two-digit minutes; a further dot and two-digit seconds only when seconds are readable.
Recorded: 2.19
